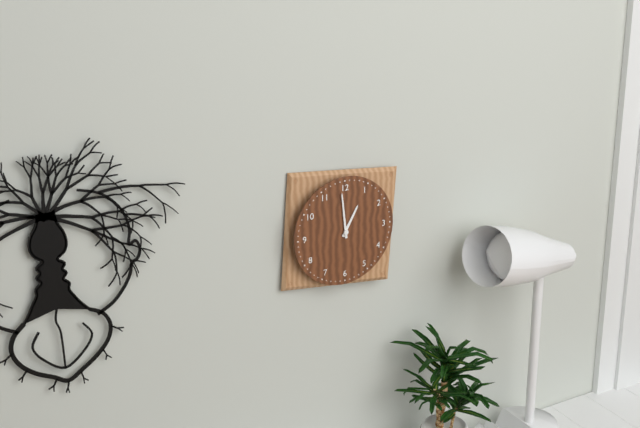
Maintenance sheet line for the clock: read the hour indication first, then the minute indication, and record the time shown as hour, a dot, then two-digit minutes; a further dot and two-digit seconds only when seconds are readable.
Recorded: 12.59
